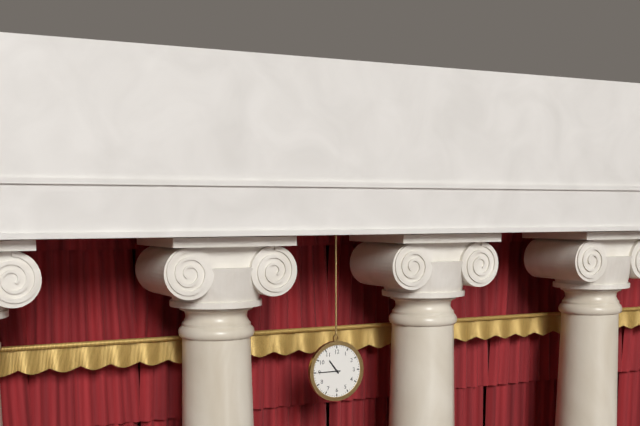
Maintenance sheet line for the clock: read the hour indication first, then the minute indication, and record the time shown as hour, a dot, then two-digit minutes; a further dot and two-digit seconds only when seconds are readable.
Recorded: 10.45
